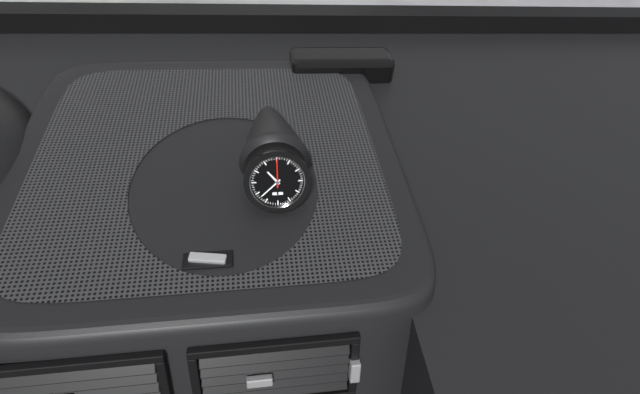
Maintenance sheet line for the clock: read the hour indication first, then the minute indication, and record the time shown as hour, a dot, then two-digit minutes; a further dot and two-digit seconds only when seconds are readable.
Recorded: 10.38
